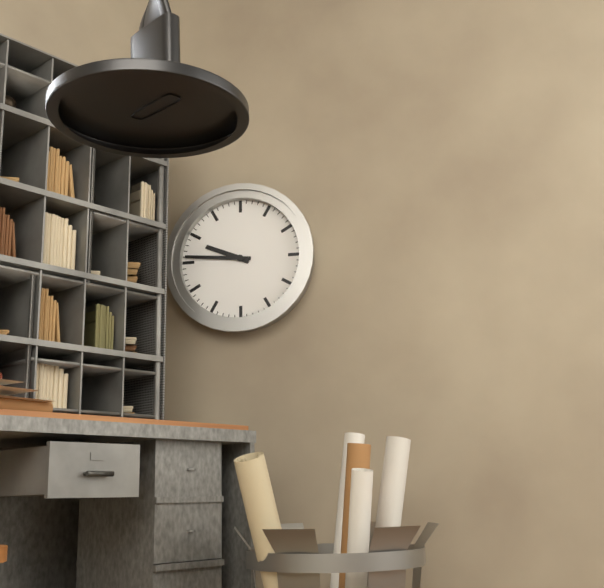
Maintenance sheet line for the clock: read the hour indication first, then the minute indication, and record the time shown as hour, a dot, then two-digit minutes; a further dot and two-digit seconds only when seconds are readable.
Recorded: 9.46
